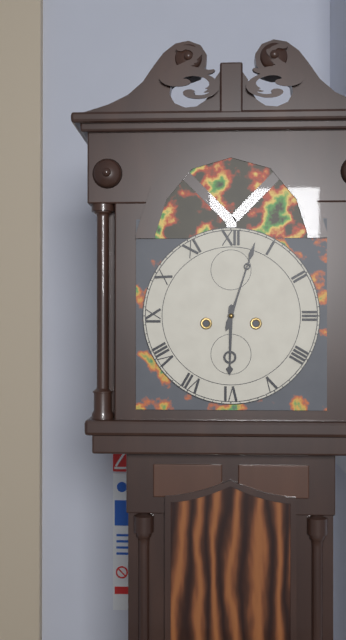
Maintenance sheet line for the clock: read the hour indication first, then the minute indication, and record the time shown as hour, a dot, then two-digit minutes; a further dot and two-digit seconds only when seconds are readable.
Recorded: 6.03
